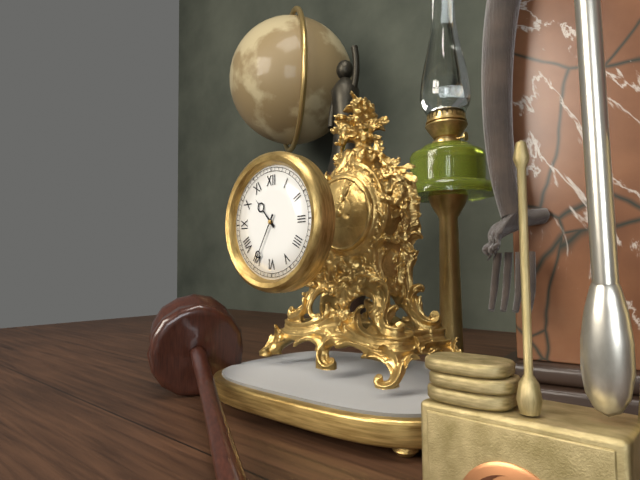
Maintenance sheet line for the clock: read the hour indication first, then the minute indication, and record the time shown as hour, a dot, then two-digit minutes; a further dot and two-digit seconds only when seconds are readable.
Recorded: 10.35
